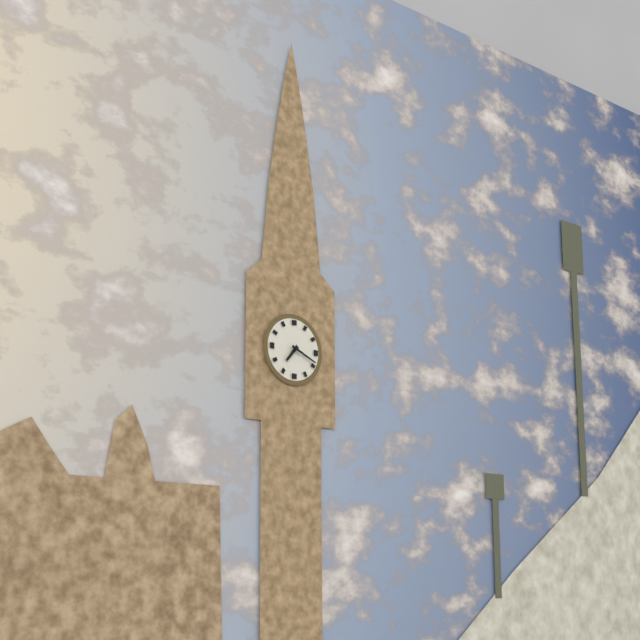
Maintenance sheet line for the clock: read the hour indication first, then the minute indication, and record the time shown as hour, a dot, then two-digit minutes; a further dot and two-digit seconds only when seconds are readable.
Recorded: 7.19
